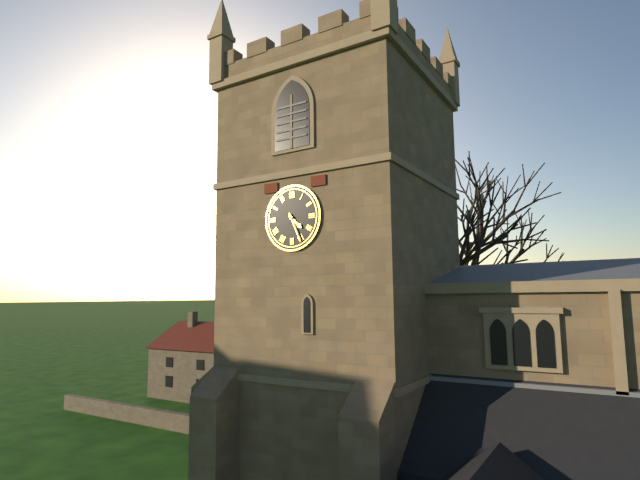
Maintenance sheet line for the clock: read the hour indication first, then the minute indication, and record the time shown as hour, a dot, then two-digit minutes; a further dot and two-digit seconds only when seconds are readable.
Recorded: 4.26
